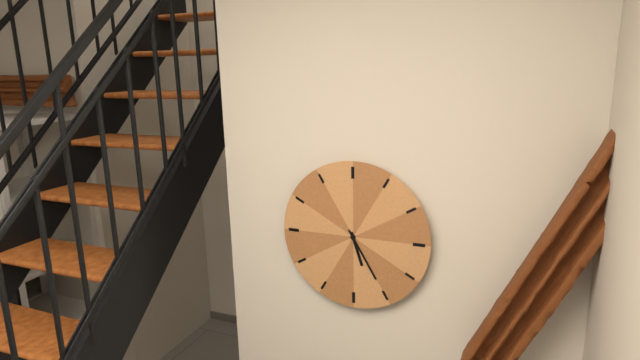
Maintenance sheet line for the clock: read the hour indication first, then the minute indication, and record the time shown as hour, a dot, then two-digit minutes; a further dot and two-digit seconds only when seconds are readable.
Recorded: 5.25
